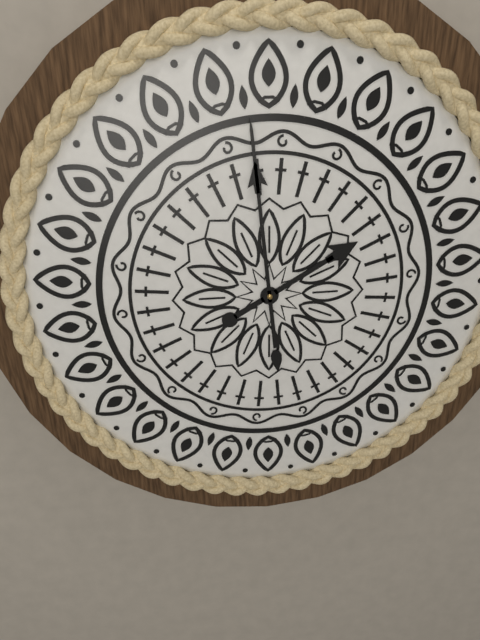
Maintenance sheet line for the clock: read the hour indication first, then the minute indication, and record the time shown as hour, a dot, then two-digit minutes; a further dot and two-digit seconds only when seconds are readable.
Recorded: 1.59
